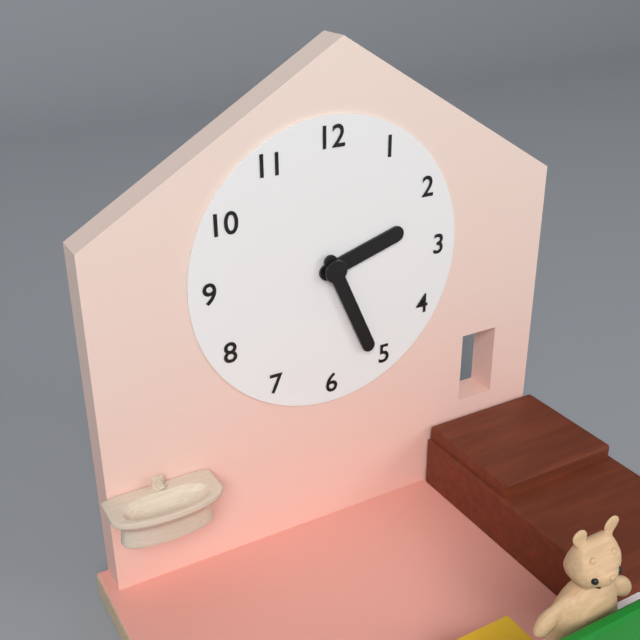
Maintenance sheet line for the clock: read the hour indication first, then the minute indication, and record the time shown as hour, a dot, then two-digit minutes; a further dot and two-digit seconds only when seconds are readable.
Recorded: 2.26
